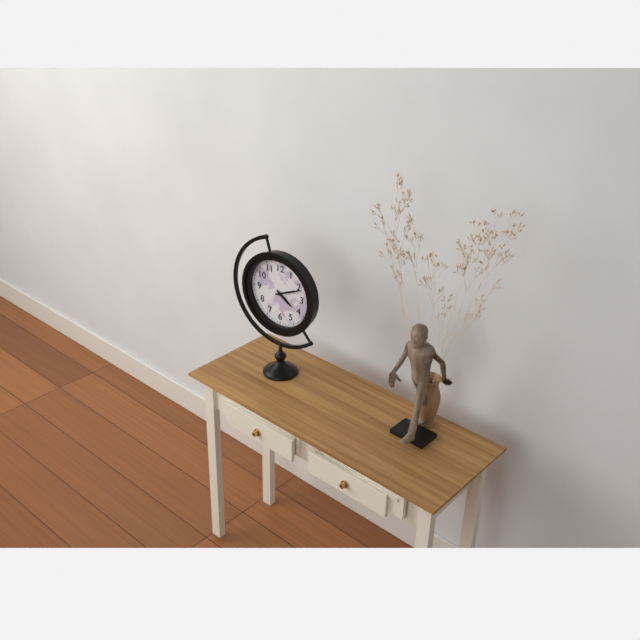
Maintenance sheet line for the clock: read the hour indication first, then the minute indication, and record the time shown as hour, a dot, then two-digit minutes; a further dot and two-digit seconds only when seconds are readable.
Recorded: 4.11
